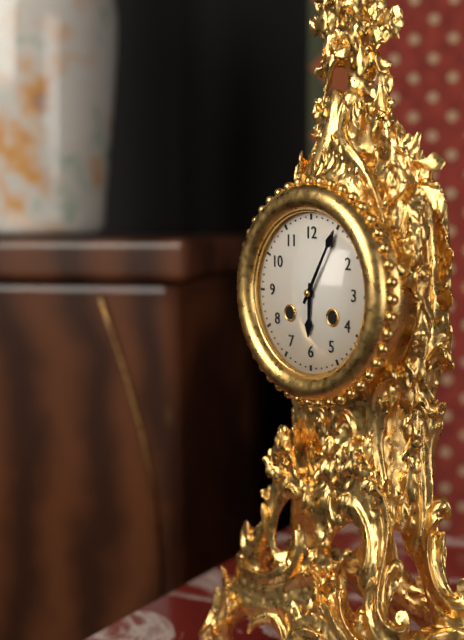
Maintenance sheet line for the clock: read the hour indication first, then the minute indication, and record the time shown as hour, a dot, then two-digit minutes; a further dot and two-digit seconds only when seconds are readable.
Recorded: 6.05
